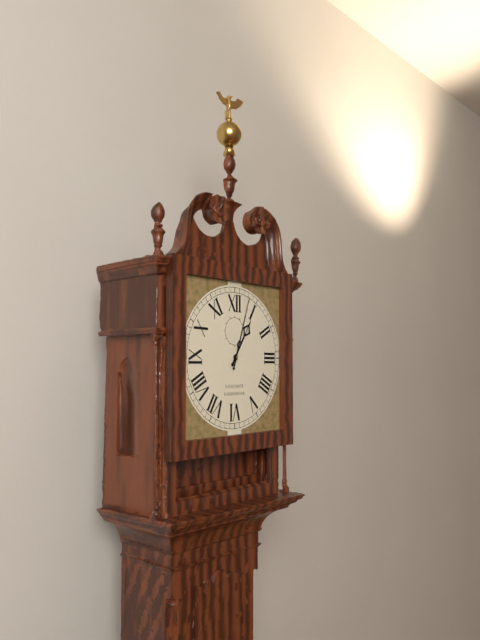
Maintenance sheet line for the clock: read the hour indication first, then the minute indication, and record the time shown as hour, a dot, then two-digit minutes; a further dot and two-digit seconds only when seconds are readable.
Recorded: 1.03
